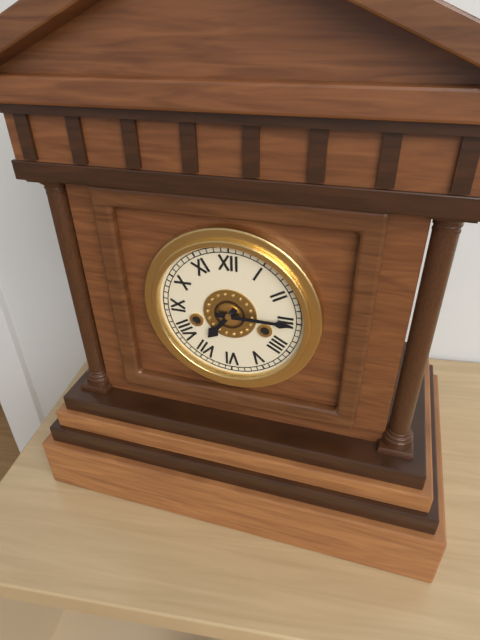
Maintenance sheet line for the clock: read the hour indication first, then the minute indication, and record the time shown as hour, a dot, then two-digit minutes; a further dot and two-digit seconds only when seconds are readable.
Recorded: 7.15
